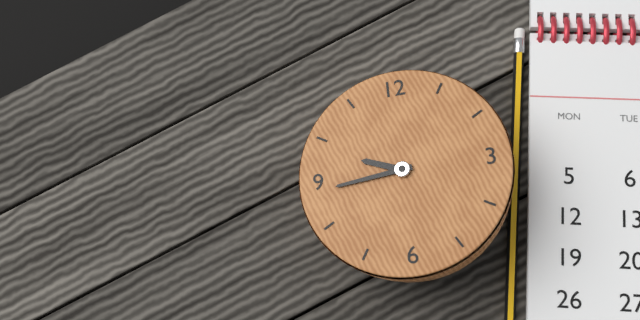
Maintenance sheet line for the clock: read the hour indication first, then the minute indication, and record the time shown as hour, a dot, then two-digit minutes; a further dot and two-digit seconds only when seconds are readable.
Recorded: 9.44
